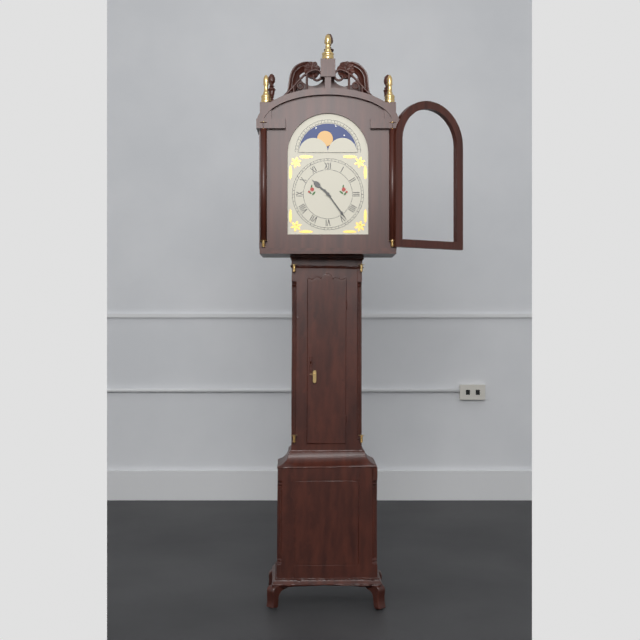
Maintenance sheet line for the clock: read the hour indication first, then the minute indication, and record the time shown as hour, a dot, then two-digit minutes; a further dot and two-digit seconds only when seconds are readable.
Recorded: 10.24
